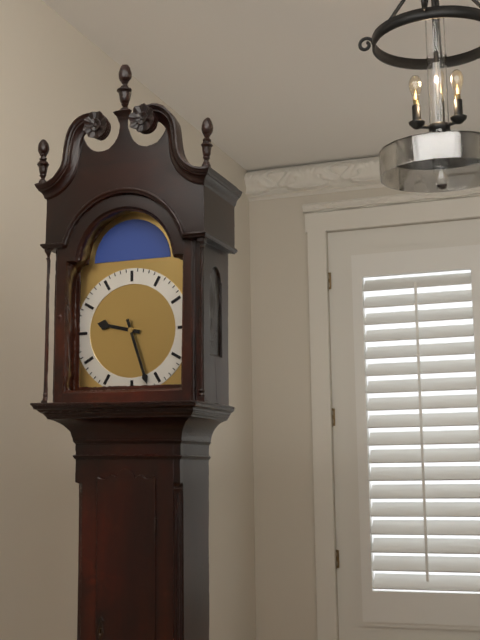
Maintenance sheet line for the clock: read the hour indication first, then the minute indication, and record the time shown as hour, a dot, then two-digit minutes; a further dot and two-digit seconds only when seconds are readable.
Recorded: 9.27
